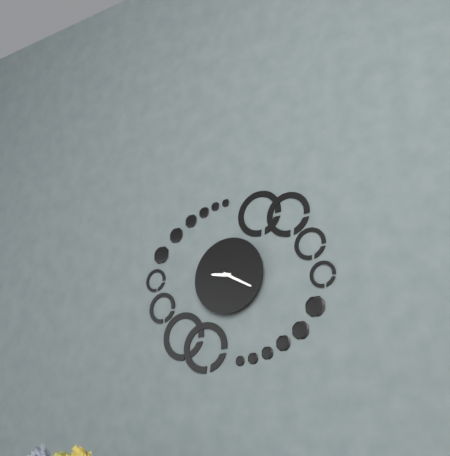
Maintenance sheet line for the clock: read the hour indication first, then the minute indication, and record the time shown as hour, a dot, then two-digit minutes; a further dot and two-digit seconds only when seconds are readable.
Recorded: 9.20
